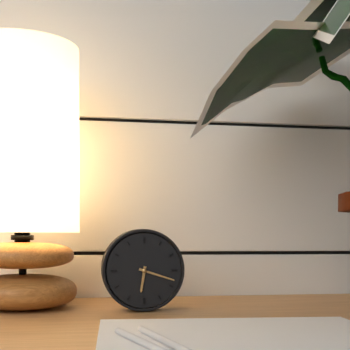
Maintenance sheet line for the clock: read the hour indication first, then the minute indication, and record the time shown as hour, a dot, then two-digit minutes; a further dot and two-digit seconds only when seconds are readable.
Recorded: 6.18
